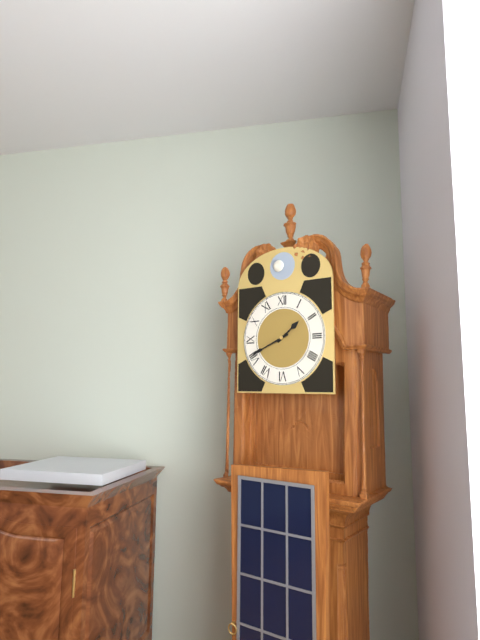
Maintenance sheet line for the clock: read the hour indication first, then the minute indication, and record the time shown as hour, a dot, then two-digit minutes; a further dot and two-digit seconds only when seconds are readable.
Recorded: 1.41
